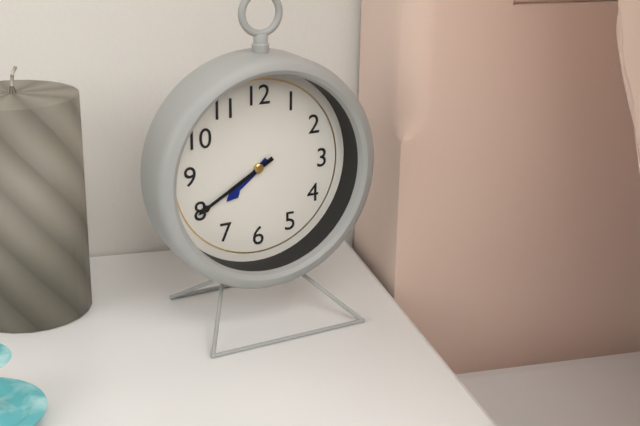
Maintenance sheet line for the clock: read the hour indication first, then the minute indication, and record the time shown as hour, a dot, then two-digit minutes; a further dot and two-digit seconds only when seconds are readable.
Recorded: 7.40
